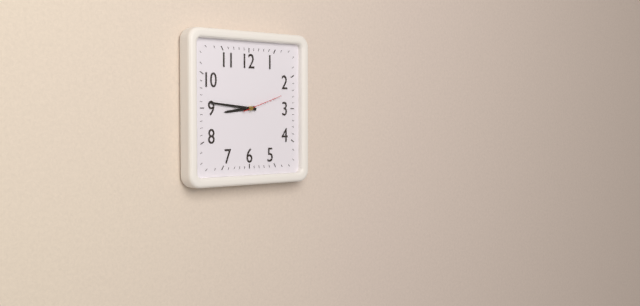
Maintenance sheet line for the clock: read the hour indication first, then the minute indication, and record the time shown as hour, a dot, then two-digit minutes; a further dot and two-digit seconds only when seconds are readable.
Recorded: 8.46
